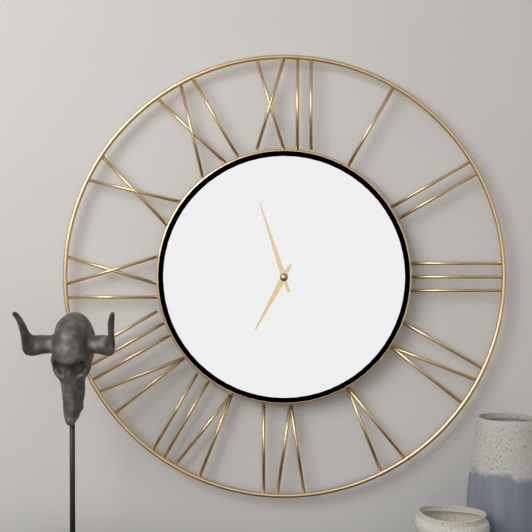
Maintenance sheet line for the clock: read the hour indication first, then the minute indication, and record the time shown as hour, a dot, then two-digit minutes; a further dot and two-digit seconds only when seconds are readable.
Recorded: 6.57
